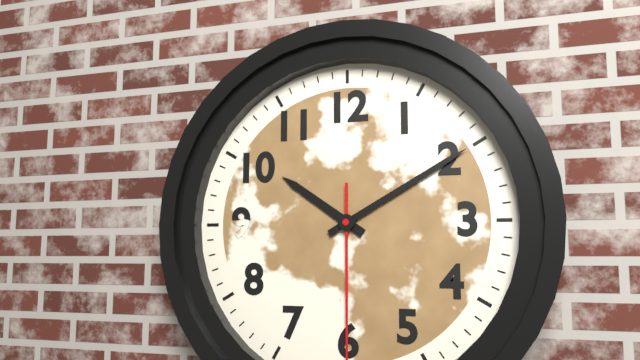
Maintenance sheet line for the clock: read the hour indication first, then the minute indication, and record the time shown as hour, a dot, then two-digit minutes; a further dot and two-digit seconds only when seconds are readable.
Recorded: 10.10
